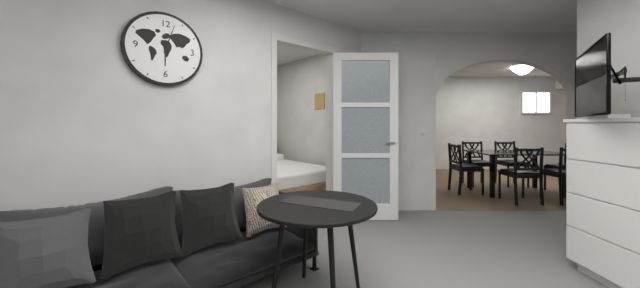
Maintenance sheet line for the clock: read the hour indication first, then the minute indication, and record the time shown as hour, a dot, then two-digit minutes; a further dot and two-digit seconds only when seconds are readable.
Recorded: 6.03
